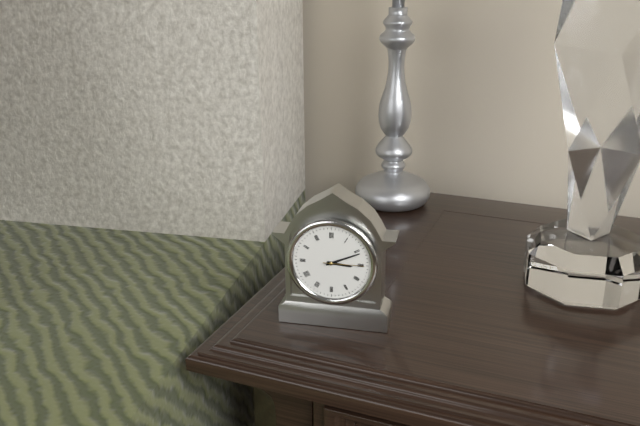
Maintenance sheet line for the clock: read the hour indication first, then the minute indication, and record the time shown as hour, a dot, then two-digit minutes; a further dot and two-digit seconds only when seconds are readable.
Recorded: 3.11
